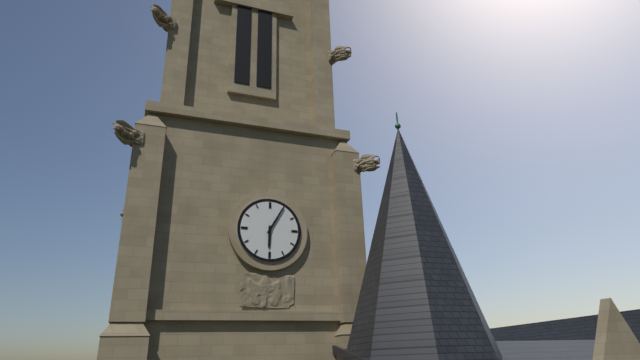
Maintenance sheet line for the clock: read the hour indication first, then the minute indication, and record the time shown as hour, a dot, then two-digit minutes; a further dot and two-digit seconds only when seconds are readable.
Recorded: 6.05
